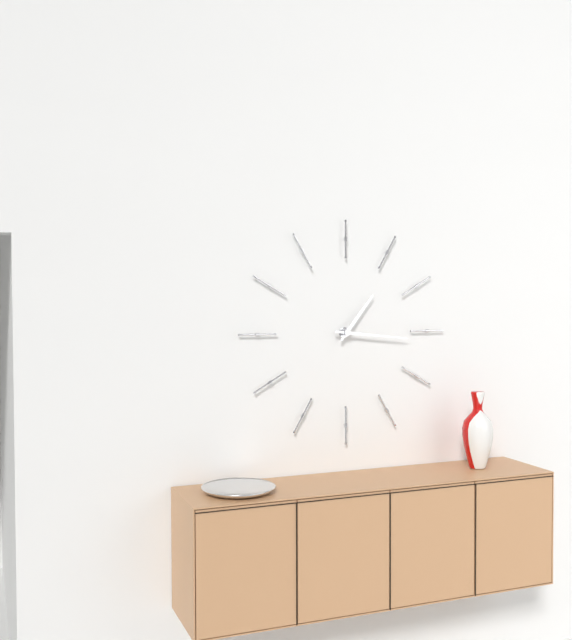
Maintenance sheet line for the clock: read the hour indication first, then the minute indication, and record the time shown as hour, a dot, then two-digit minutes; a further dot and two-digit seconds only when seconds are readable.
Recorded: 1.16
